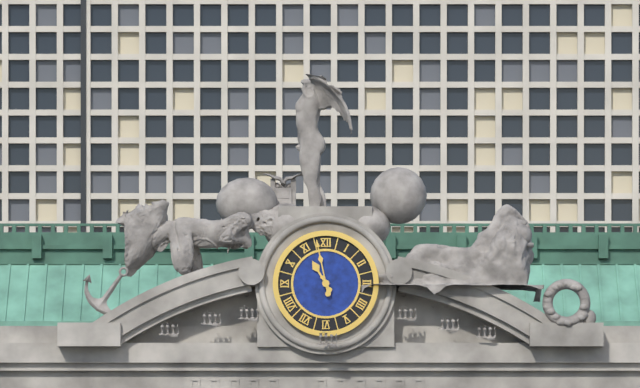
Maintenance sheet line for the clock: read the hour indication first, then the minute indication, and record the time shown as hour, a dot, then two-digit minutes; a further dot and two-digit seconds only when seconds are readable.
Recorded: 10.58
